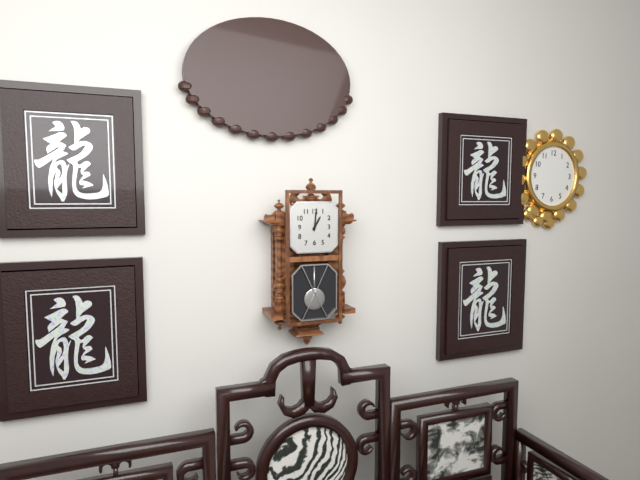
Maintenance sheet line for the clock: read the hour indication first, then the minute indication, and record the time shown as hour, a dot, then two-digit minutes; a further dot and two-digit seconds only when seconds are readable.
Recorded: 1.01
